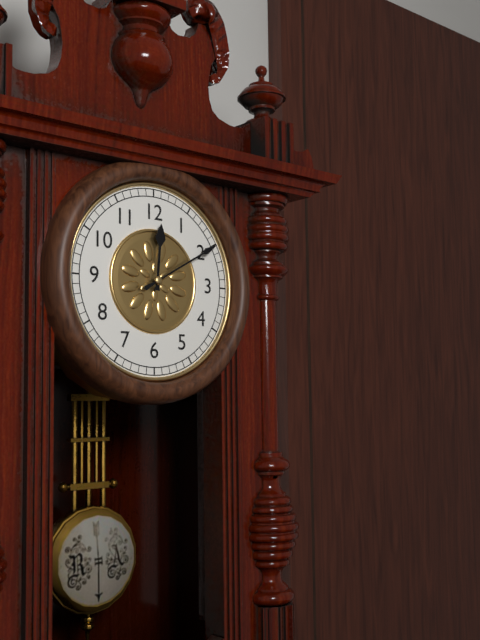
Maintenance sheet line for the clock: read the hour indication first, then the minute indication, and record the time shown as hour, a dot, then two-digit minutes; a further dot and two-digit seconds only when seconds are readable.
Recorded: 12.10
